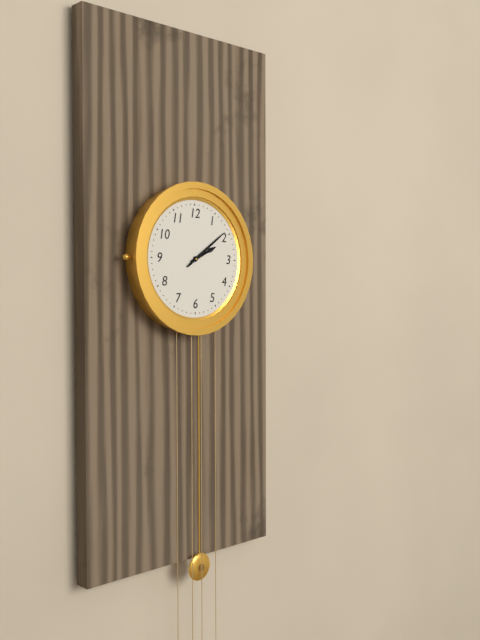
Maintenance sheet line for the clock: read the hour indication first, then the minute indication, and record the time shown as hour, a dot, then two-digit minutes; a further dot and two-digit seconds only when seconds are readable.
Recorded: 2.09
